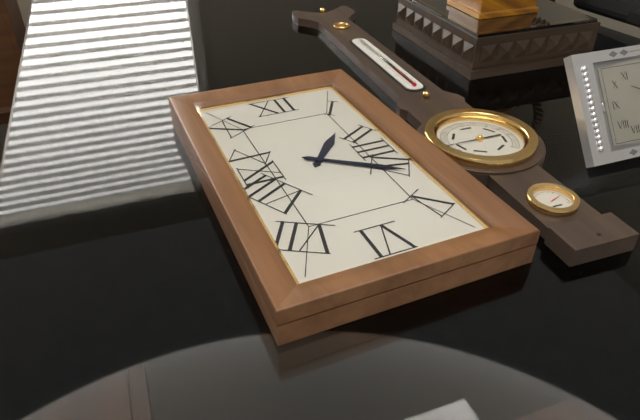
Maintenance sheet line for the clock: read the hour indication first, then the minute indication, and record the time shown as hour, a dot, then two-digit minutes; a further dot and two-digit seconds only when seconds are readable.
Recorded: 1.21
